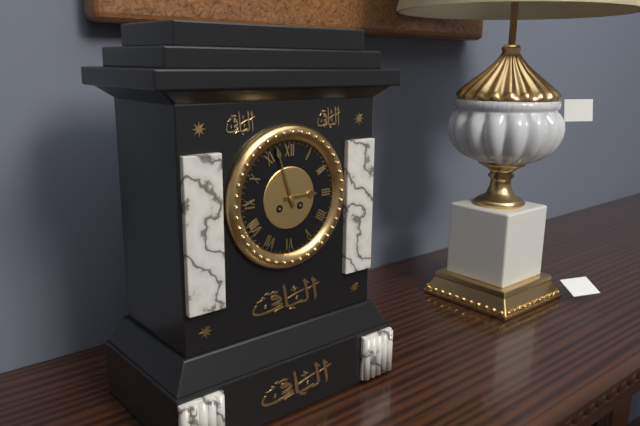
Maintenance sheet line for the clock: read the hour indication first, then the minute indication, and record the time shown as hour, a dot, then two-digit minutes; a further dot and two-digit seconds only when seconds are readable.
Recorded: 2.57
